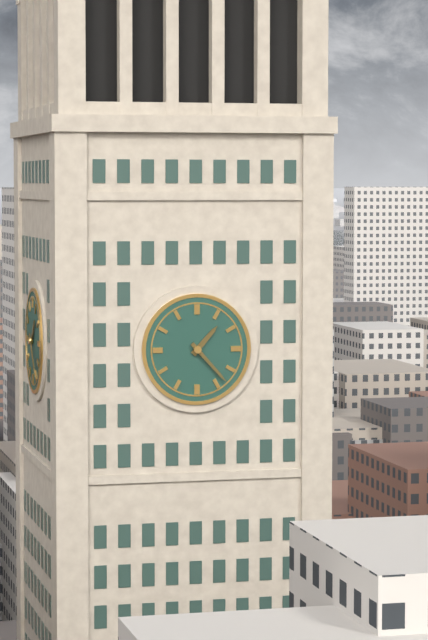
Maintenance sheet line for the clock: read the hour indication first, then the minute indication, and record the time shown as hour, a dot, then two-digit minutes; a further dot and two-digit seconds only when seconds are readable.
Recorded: 1.23
